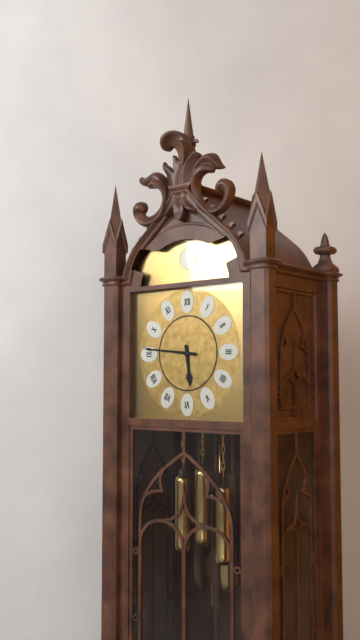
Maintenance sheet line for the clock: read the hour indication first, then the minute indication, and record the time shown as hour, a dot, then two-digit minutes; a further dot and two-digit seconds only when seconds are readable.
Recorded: 5.46
